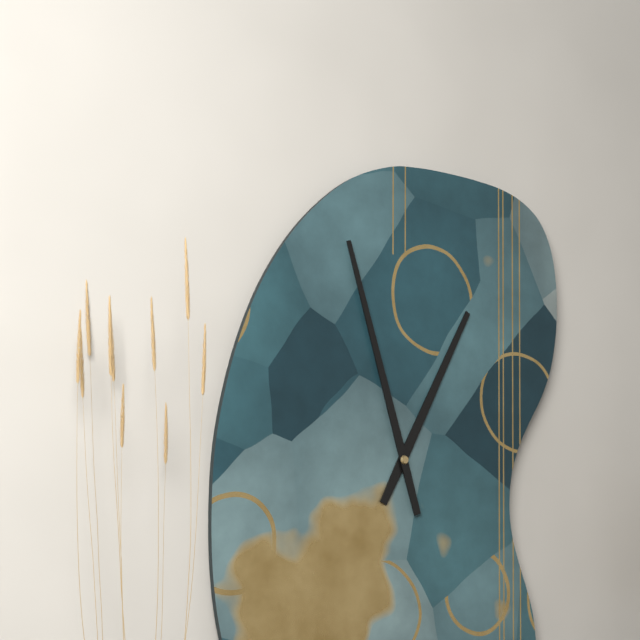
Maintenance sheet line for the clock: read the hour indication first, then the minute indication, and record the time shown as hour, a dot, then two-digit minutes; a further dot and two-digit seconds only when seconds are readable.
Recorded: 12.57
